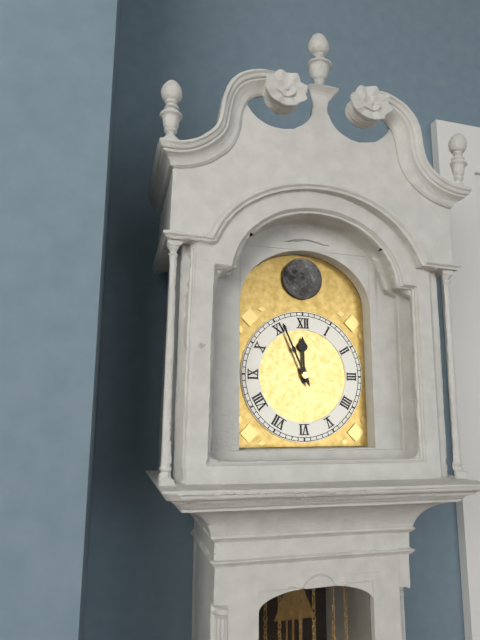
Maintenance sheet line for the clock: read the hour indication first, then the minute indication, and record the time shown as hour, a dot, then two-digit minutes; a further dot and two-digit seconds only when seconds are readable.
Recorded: 11.56
